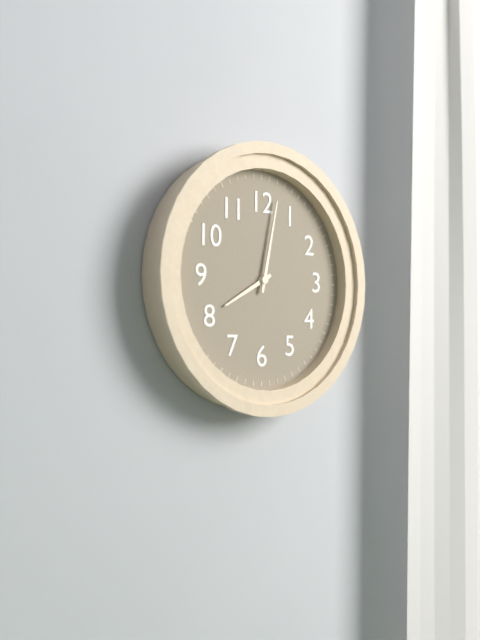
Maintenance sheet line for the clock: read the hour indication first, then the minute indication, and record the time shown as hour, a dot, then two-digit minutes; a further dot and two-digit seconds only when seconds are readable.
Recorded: 8.02
